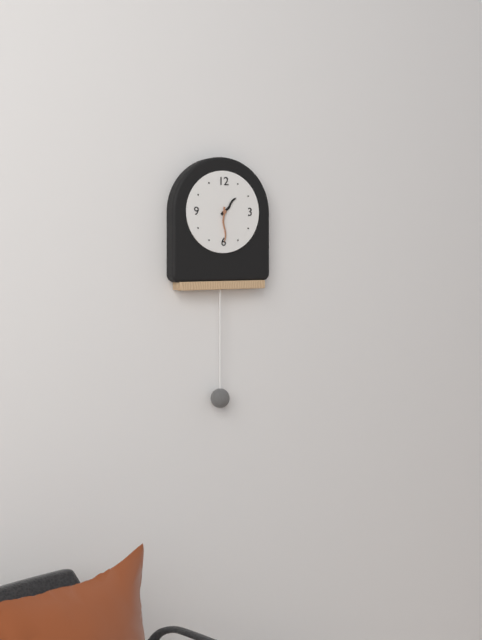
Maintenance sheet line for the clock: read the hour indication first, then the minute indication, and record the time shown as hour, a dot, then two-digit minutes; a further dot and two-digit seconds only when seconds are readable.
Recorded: 1.30
